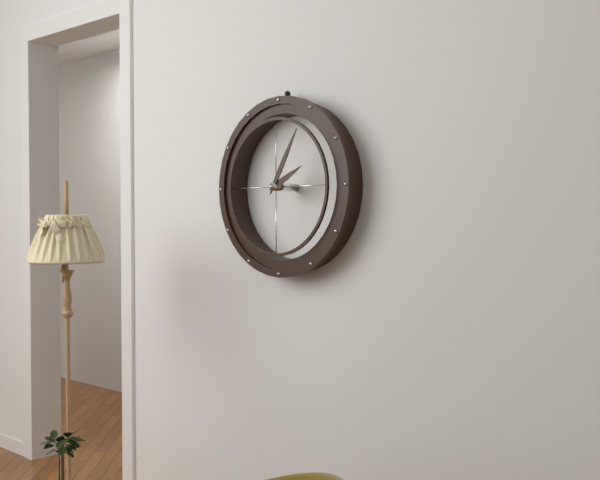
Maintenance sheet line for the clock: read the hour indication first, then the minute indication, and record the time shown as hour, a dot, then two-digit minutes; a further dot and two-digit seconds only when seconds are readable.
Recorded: 2.05
